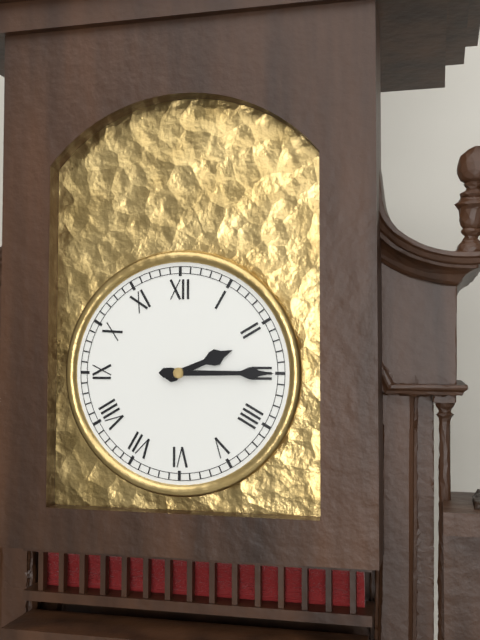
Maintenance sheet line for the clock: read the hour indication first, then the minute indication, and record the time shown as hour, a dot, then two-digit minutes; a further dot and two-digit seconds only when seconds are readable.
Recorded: 2.15
